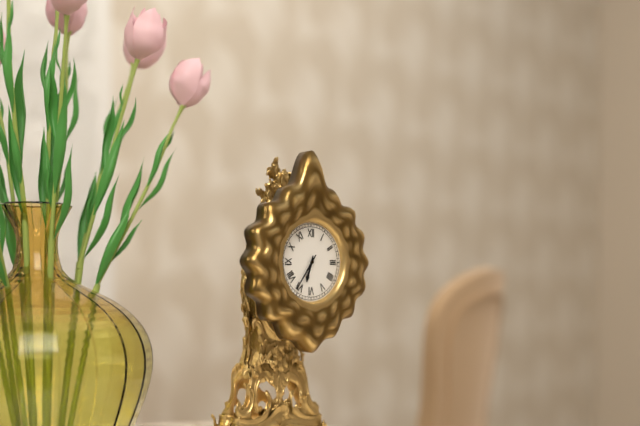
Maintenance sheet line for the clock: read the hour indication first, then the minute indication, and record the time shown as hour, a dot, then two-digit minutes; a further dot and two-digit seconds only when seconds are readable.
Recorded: 6.36
